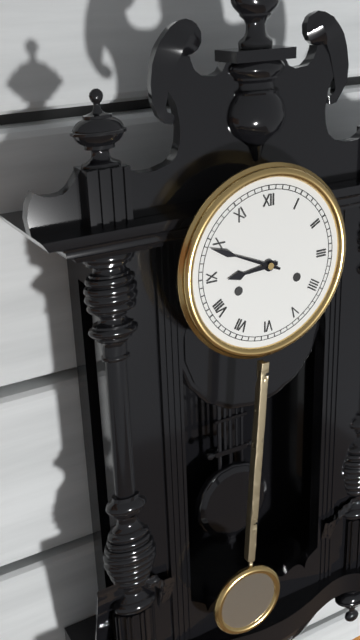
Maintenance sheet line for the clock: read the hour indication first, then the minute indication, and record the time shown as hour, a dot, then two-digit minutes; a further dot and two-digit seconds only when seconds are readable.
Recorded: 8.49
